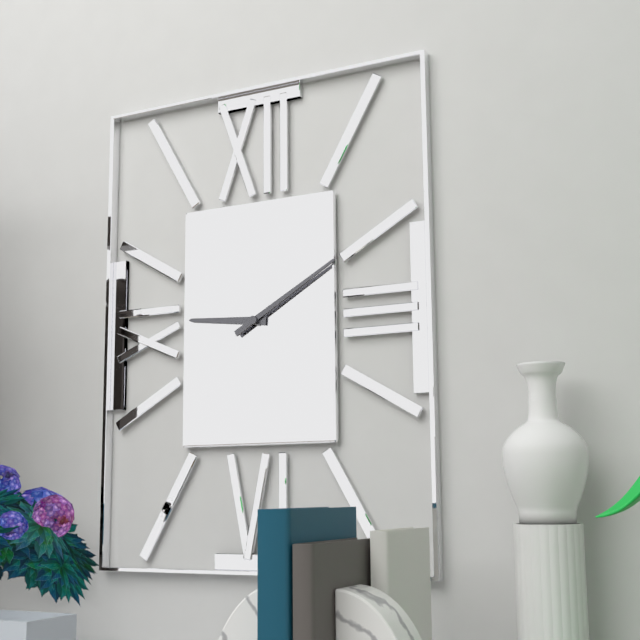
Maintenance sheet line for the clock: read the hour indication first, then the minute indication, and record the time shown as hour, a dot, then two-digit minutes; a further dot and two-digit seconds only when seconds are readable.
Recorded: 9.10
